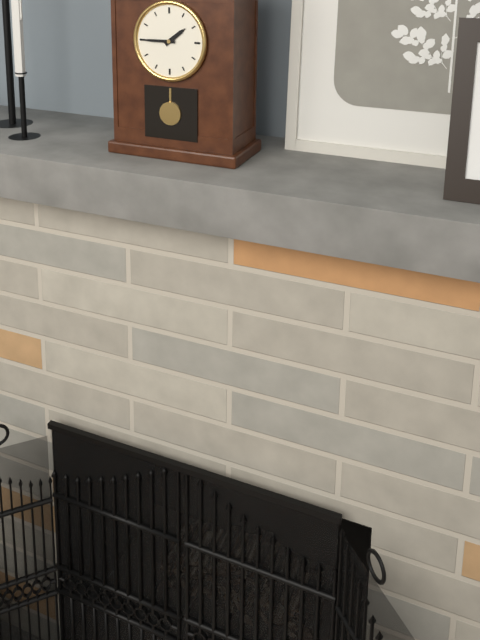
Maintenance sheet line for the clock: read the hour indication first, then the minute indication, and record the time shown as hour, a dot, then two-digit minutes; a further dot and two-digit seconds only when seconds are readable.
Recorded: 1.45
